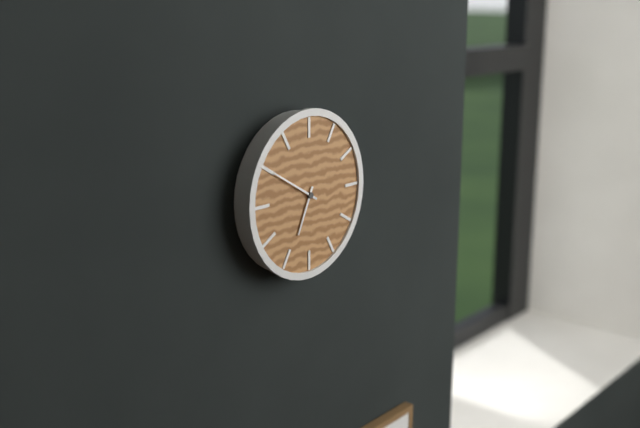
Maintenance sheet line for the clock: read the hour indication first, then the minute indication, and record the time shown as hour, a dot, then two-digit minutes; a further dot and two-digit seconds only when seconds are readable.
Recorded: 6.50
